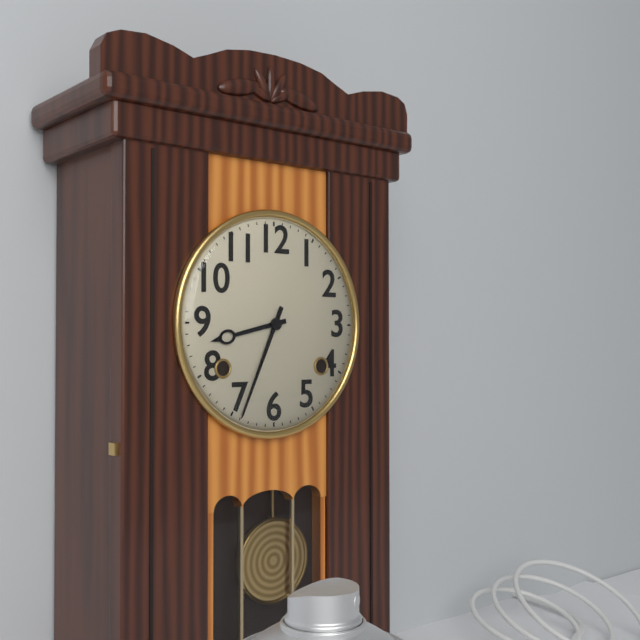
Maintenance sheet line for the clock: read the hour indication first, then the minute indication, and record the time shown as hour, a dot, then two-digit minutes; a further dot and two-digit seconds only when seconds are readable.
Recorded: 8.34
